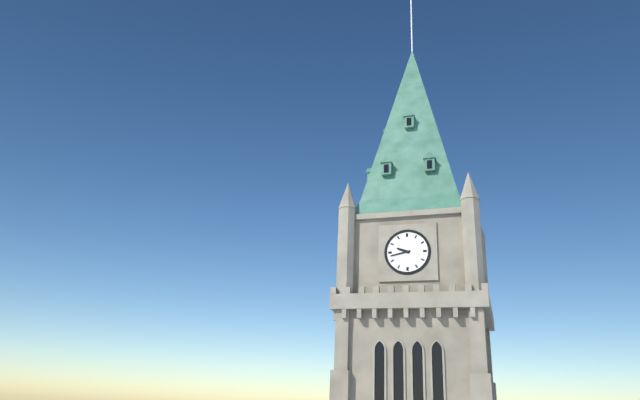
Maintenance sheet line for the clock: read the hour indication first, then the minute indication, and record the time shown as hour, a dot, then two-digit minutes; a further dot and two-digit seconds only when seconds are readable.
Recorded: 9.43
